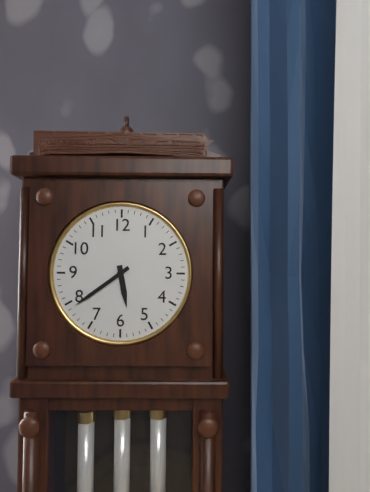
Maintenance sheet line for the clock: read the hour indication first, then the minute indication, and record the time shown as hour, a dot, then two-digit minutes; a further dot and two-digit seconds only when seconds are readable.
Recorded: 5.39
